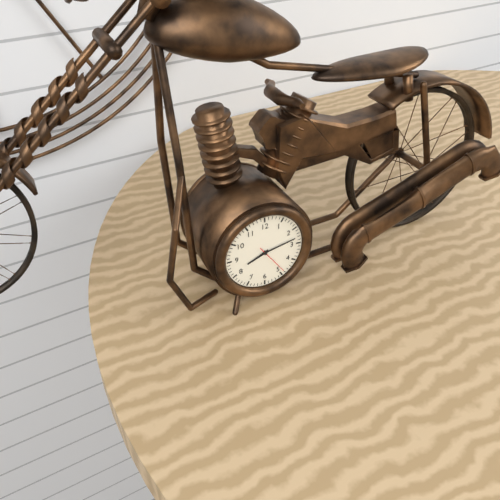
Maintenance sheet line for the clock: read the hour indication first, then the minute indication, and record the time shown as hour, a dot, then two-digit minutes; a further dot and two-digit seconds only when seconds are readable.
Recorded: 8.13
